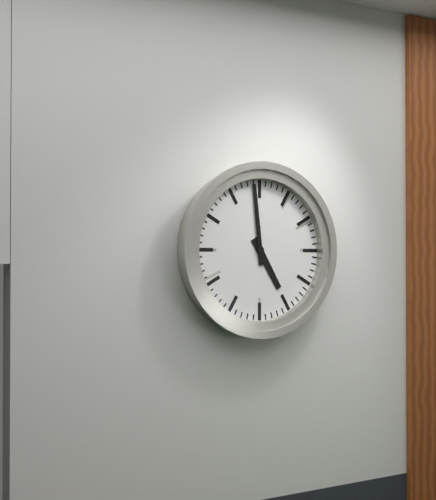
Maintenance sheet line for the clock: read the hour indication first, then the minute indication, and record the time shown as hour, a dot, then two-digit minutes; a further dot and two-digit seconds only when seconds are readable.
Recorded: 4.59
